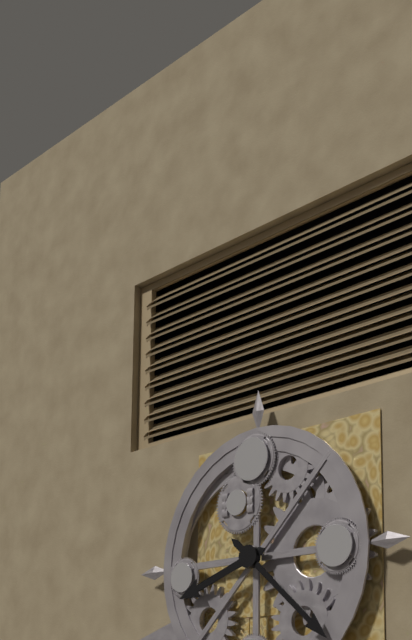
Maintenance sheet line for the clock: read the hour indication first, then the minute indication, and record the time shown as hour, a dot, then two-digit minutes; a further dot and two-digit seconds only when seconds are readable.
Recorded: 8.22
